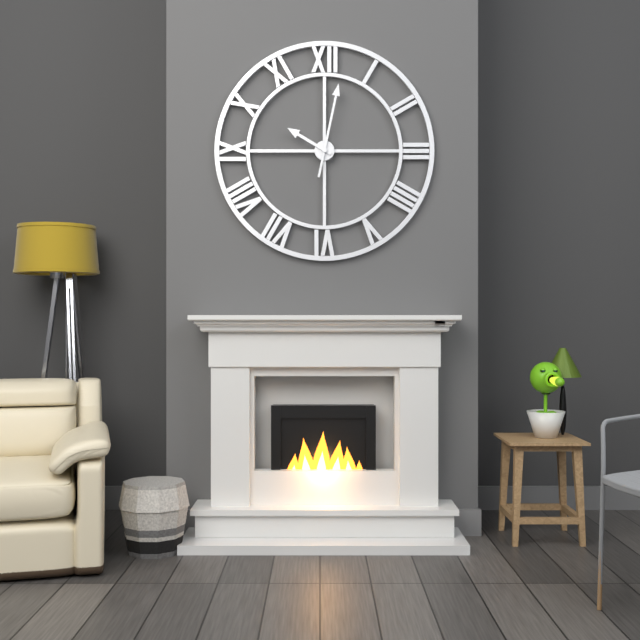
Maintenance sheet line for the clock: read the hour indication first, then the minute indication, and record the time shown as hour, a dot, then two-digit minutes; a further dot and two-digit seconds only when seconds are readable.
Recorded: 10.02
